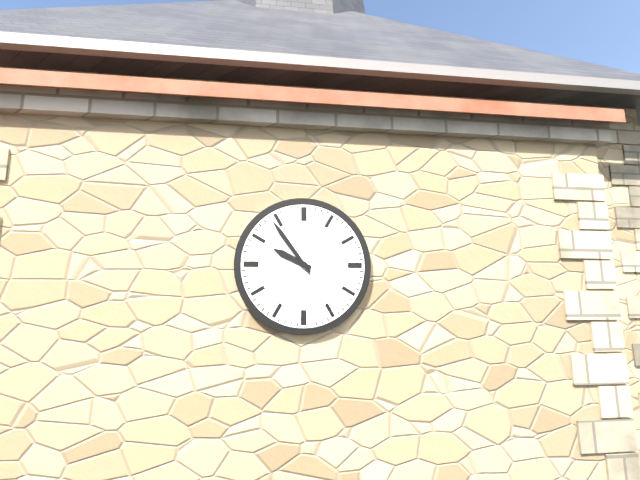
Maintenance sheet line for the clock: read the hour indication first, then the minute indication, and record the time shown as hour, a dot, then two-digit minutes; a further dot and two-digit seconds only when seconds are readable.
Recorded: 9.54
